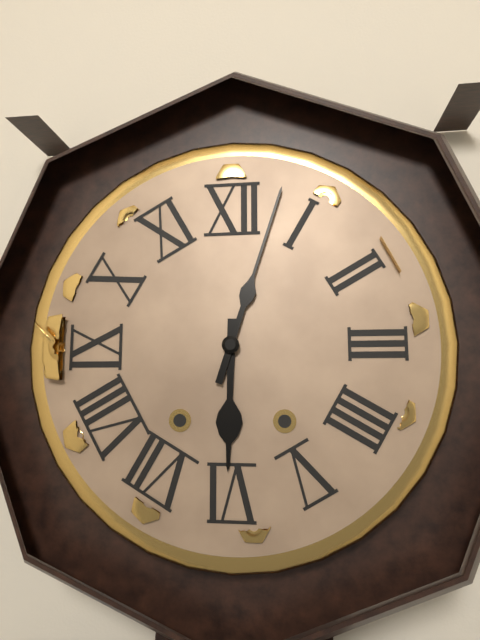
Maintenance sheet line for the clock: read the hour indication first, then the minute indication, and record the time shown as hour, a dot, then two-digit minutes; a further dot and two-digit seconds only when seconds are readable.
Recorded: 6.03
